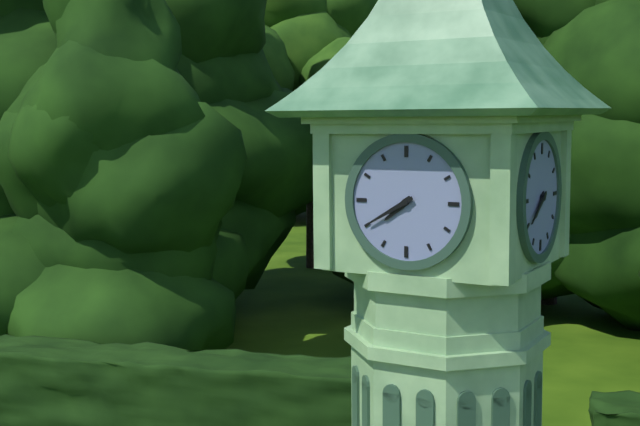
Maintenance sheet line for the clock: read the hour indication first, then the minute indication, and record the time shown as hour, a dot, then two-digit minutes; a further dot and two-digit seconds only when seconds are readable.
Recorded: 7.40
